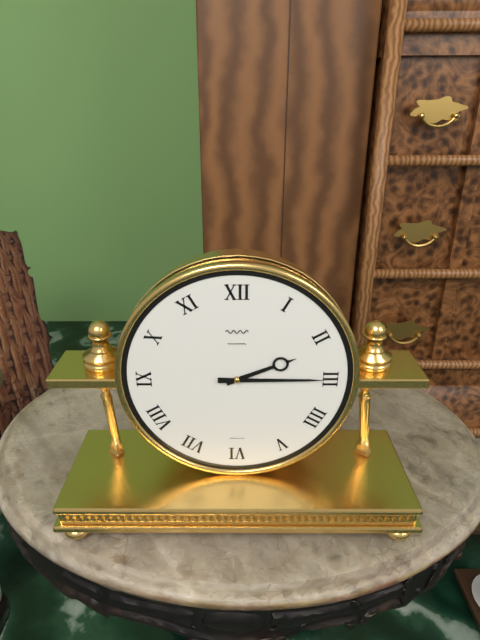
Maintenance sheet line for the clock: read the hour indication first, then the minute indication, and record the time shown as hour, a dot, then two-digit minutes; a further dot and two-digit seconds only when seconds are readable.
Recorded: 2.15
